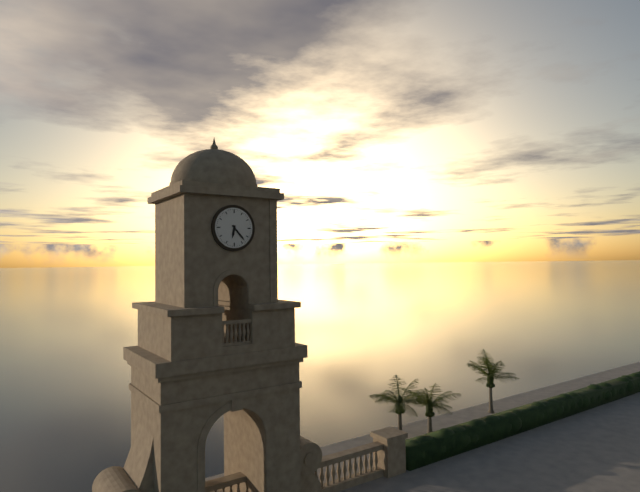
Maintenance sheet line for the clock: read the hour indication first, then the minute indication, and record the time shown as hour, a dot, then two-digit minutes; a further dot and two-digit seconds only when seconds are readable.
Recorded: 6.23
